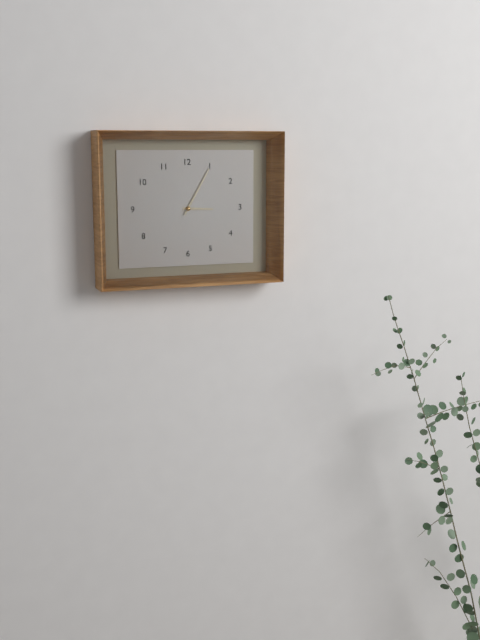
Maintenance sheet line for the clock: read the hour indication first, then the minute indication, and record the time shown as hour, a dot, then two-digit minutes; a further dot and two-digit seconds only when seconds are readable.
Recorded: 3.05
